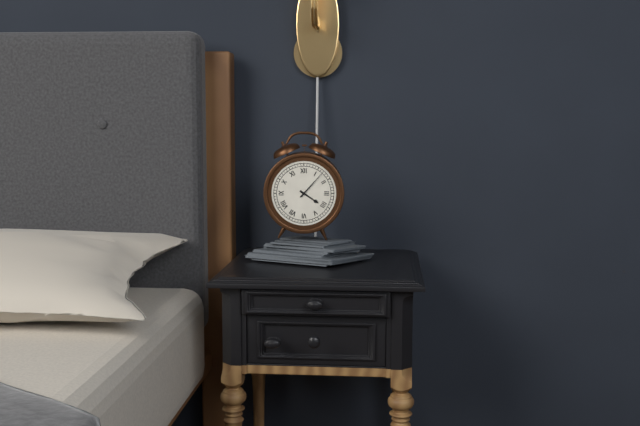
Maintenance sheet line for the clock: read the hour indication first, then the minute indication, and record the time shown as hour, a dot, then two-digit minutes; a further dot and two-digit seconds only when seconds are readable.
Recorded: 4.07
